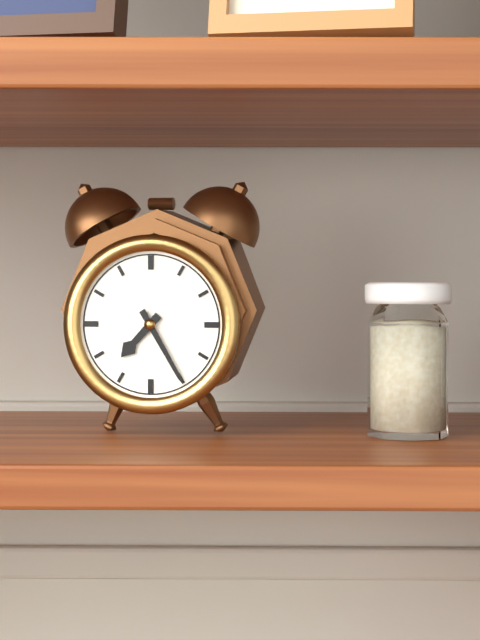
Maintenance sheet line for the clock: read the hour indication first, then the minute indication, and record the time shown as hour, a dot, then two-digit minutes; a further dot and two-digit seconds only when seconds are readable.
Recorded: 7.25
